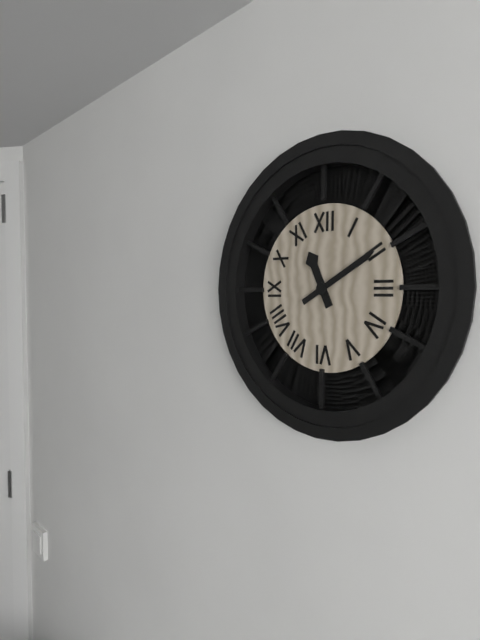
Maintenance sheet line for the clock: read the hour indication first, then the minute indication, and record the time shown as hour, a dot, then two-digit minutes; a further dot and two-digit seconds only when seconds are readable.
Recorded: 11.10
